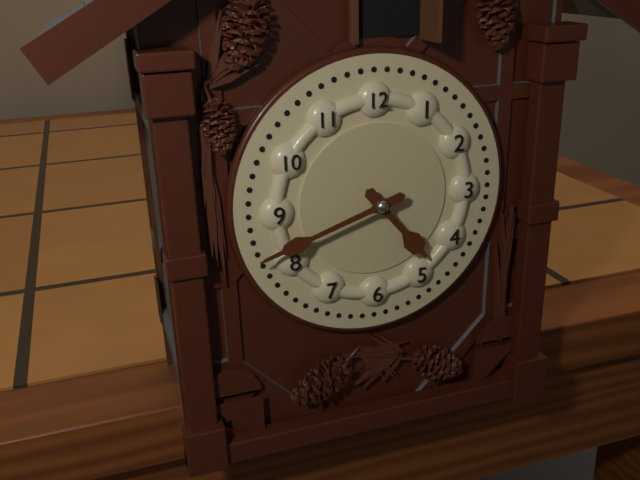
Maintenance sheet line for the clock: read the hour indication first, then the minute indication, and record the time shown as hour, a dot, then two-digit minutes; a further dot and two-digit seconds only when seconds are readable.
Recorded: 4.42
